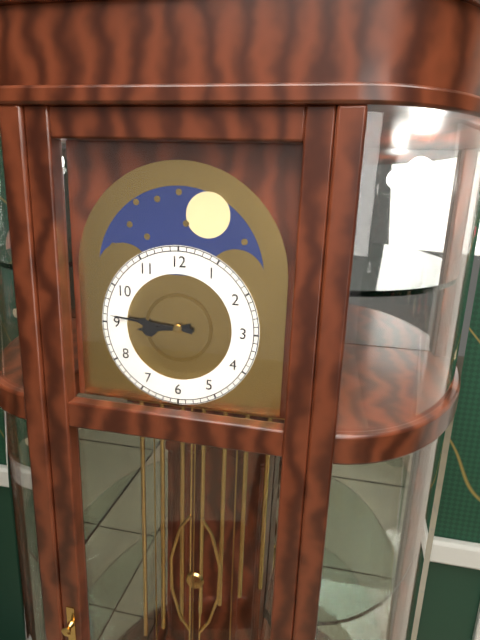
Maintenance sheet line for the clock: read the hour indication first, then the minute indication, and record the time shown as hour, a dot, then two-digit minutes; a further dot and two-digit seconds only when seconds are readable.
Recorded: 8.46
